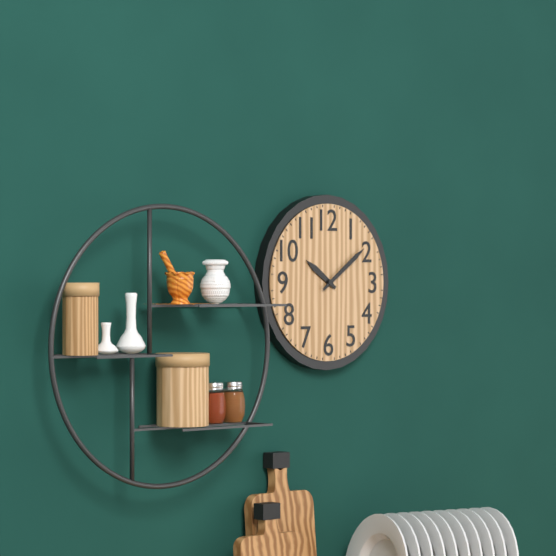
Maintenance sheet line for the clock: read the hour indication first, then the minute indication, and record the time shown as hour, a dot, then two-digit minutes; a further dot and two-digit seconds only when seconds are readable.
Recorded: 10.09
